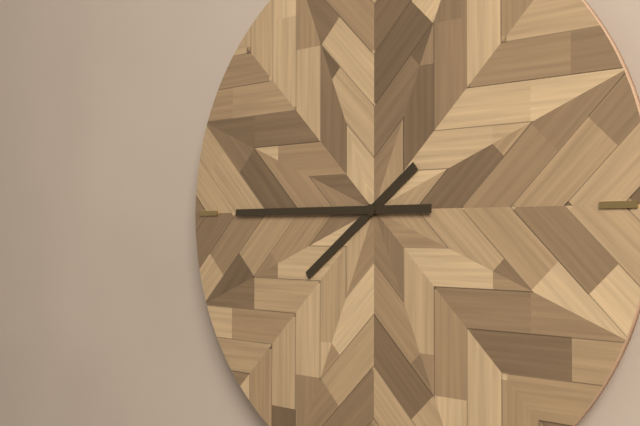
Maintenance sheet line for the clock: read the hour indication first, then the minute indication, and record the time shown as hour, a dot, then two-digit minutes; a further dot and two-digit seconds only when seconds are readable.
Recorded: 7.45
